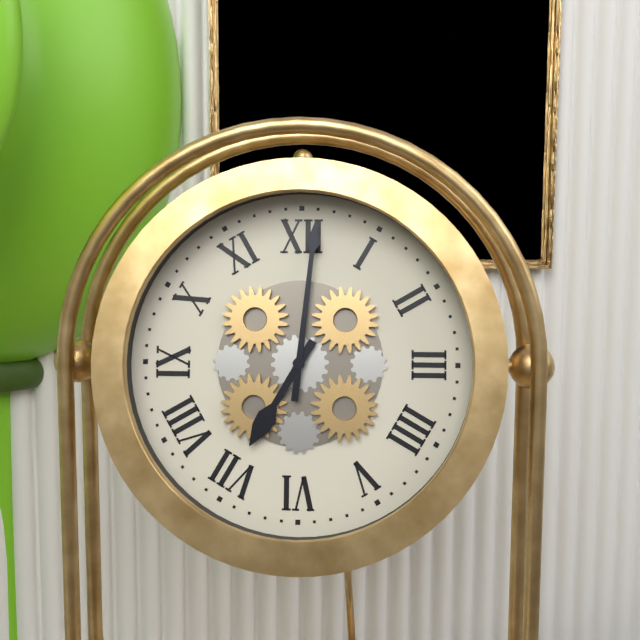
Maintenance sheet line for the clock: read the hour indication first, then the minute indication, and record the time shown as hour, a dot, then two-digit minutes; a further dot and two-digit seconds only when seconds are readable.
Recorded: 7.01
